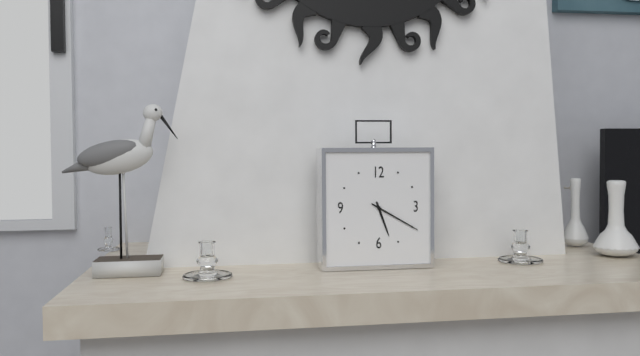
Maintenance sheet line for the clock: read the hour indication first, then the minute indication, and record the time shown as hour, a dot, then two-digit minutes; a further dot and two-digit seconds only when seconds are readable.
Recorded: 5.20
